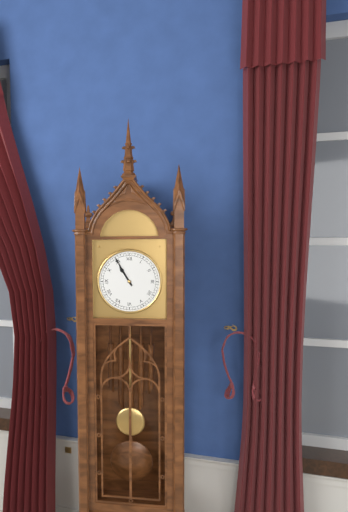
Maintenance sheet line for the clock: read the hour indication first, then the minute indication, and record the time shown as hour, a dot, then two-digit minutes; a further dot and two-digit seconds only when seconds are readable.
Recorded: 10.55
